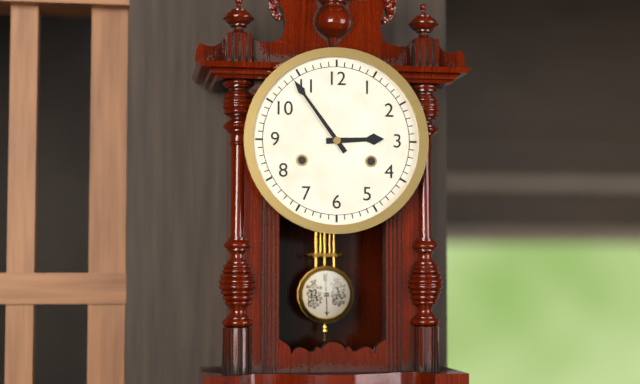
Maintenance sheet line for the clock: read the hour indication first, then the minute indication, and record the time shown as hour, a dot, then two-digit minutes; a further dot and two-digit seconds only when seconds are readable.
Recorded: 2.54
